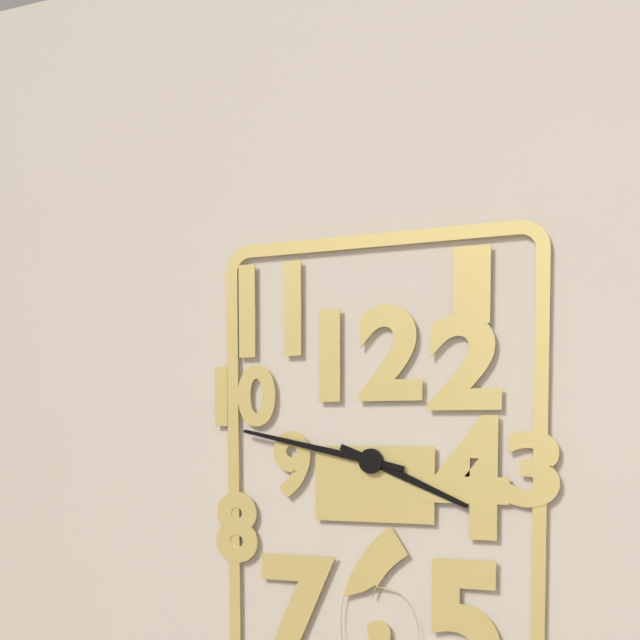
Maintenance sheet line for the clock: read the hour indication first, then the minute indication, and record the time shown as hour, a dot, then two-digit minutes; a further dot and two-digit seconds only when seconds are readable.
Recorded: 3.47
